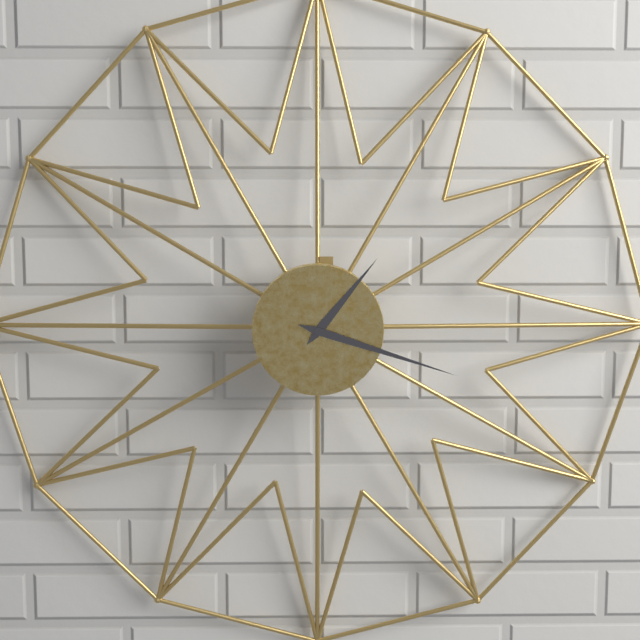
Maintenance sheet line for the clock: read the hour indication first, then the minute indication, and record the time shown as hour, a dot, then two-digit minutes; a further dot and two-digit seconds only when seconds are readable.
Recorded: 1.18
